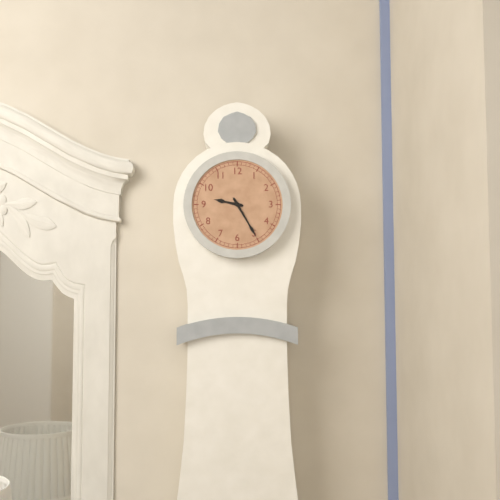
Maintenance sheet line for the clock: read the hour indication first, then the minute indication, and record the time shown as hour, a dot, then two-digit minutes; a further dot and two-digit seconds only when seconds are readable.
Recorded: 9.25
